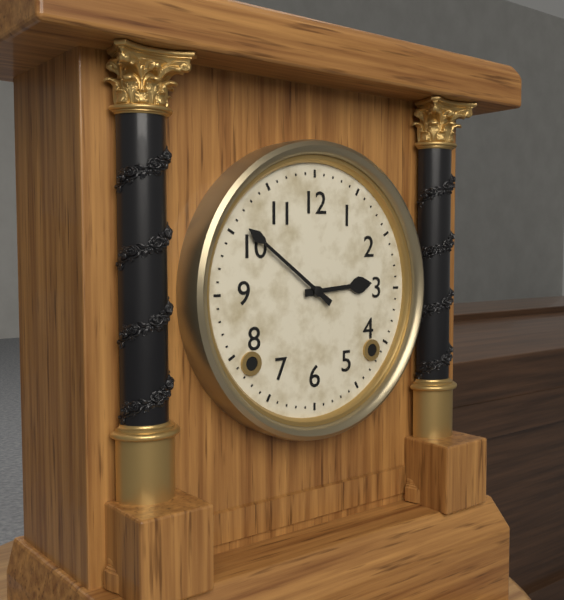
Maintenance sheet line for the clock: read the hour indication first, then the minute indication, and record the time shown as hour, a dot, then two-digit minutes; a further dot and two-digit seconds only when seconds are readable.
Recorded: 2.51
